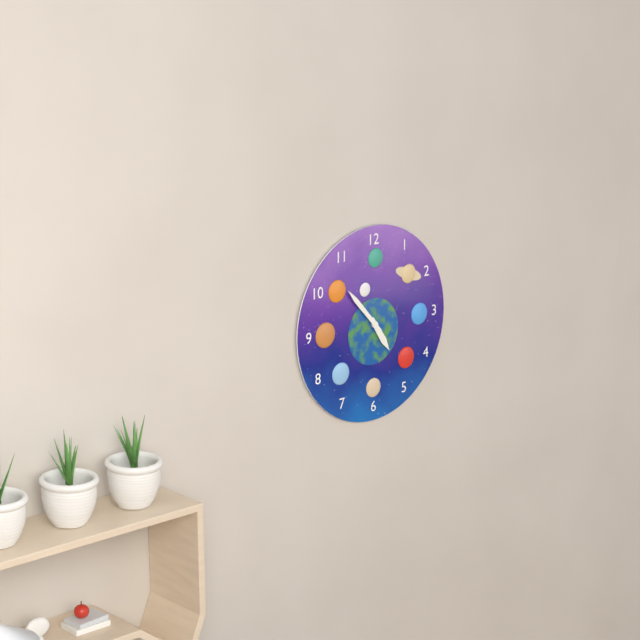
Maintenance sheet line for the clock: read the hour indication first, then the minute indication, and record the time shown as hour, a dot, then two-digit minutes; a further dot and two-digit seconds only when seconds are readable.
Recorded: 4.53
